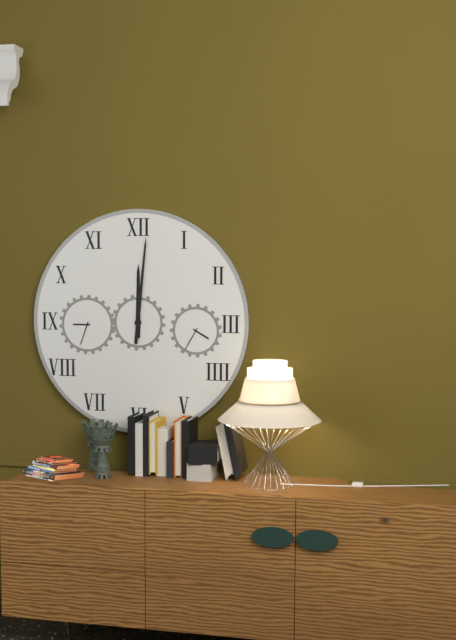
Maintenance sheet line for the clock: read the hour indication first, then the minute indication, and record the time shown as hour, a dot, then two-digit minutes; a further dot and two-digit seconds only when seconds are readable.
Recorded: 12.01
